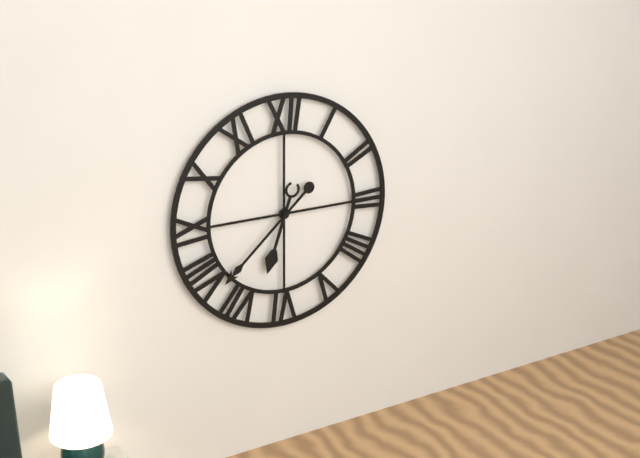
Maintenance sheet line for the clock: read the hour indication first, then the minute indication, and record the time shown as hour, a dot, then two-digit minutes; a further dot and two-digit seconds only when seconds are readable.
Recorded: 6.38
